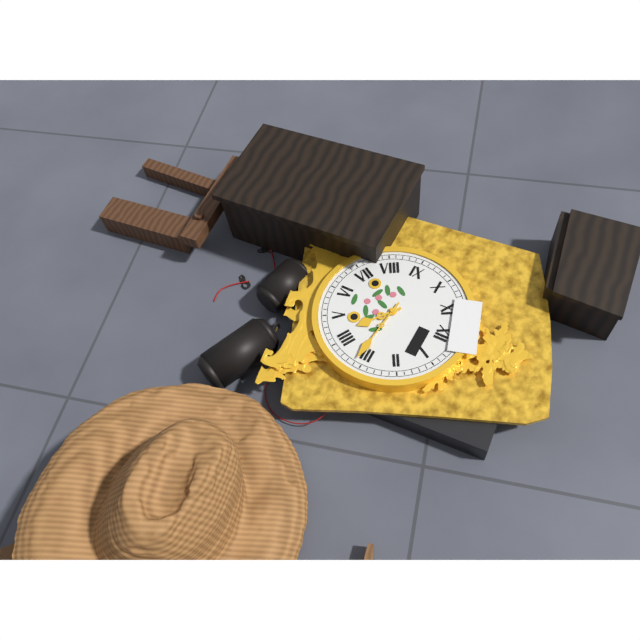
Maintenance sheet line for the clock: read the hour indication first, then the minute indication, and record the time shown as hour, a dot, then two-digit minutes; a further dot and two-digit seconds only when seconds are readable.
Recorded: 4.16
